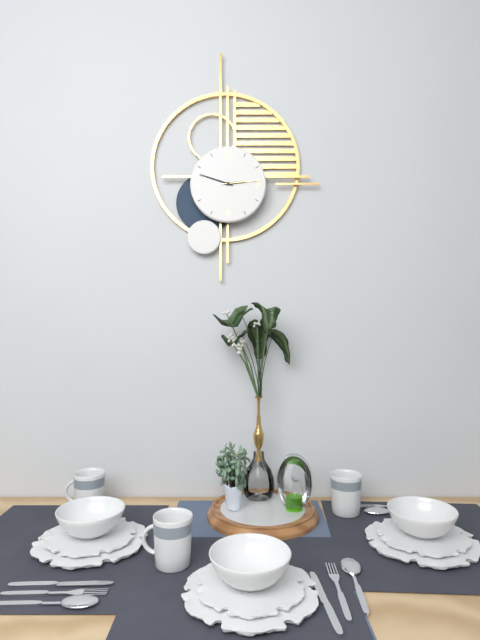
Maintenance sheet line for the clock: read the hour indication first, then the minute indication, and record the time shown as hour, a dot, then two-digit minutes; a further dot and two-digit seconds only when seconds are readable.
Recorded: 2.48
